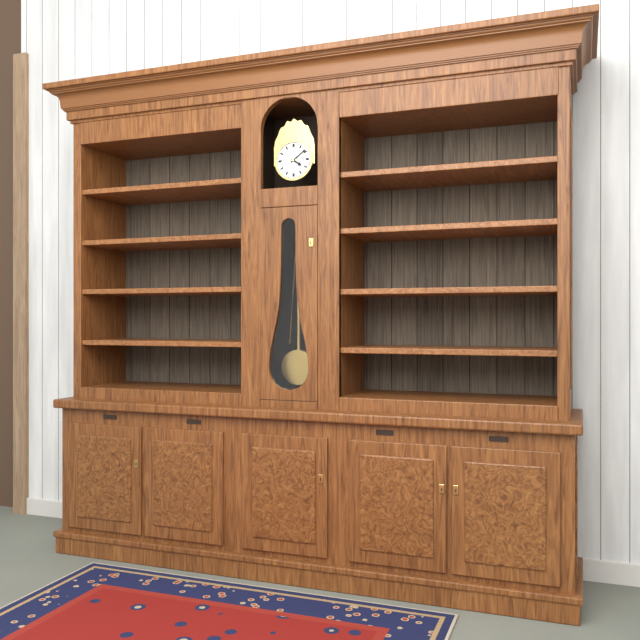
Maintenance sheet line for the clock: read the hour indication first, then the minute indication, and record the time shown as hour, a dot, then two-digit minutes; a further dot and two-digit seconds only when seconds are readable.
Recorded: 4.09
